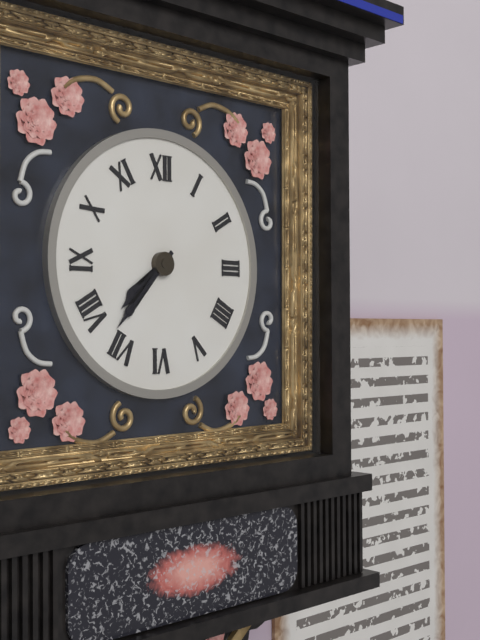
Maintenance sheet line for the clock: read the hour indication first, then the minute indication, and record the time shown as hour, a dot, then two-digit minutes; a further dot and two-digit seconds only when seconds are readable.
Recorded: 7.37
